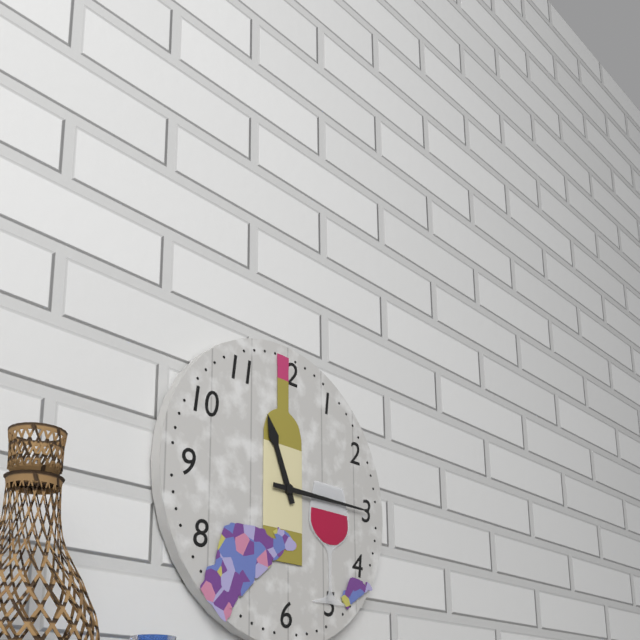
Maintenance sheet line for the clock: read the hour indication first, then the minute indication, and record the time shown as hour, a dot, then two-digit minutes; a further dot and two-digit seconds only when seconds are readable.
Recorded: 11.15
